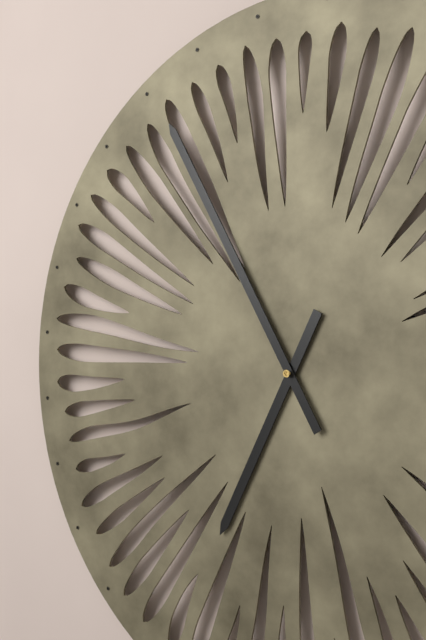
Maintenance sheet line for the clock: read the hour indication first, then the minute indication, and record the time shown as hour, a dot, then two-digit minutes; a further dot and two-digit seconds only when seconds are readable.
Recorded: 6.55
